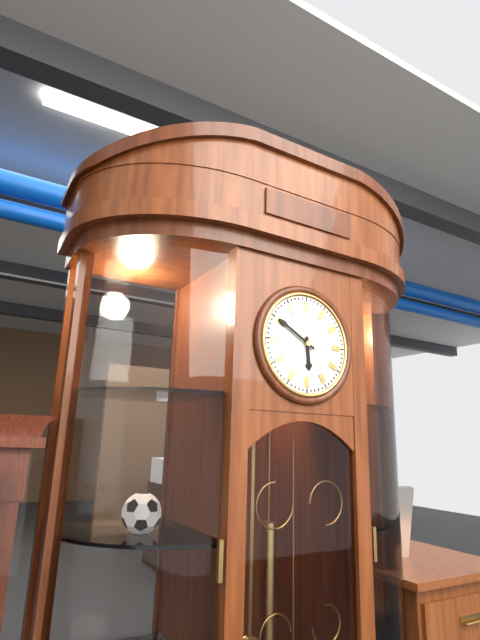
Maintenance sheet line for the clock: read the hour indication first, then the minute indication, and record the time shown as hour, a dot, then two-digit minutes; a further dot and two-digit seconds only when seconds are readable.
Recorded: 5.50
